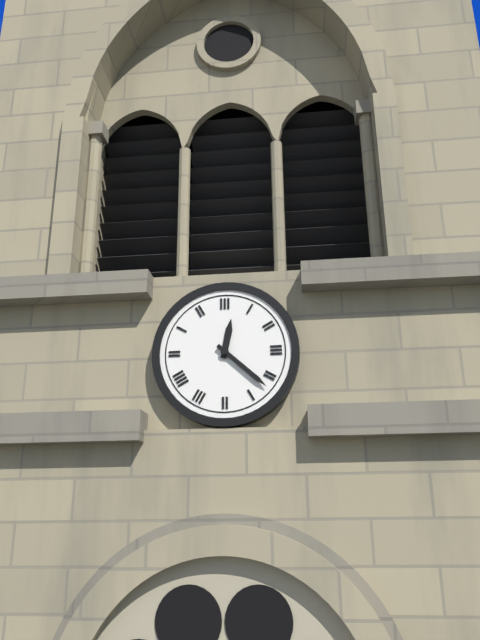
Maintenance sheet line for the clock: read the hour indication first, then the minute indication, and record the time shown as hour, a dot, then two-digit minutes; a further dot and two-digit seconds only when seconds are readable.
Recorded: 12.22
